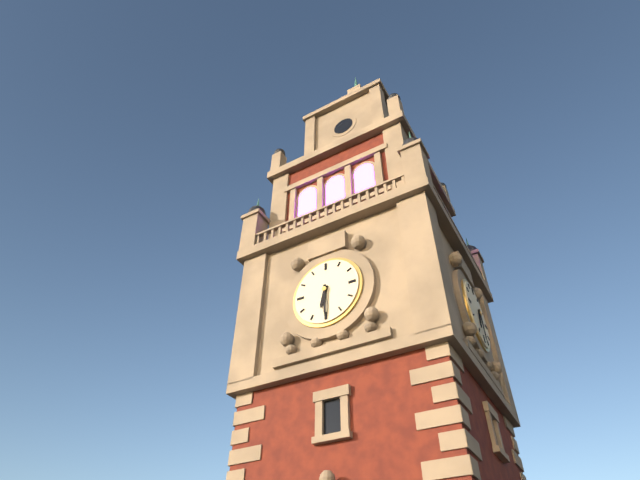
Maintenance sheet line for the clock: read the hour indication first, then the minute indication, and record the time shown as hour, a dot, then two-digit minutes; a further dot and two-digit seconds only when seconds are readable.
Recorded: 6.30
